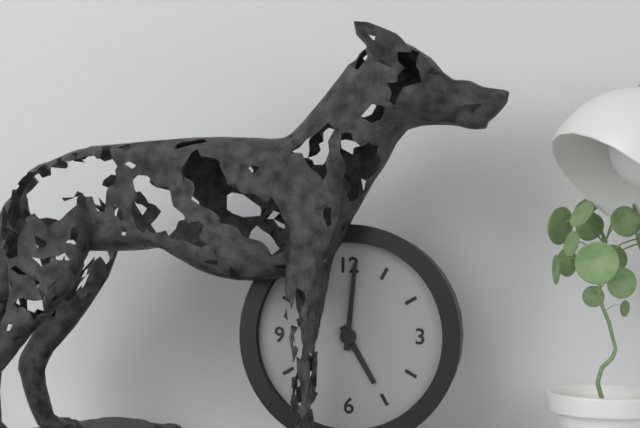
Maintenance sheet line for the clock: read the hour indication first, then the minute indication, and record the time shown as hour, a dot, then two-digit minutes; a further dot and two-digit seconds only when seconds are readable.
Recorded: 5.01
